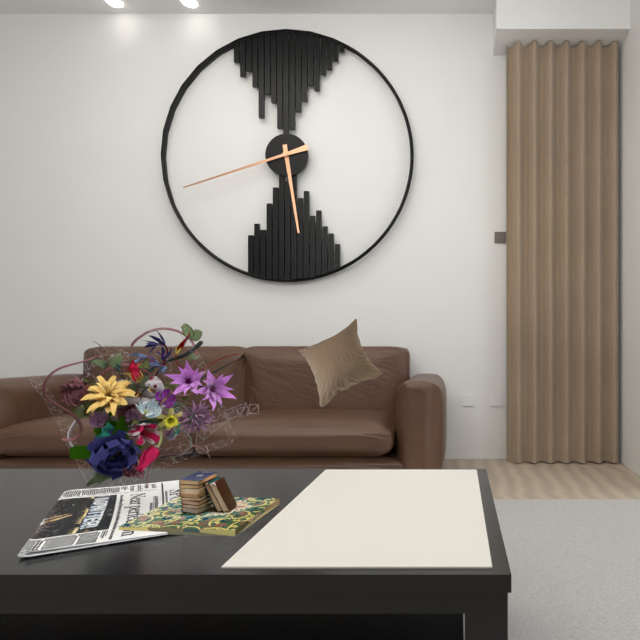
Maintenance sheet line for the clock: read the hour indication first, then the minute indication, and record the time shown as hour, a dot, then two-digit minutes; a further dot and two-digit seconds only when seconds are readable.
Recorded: 5.42
